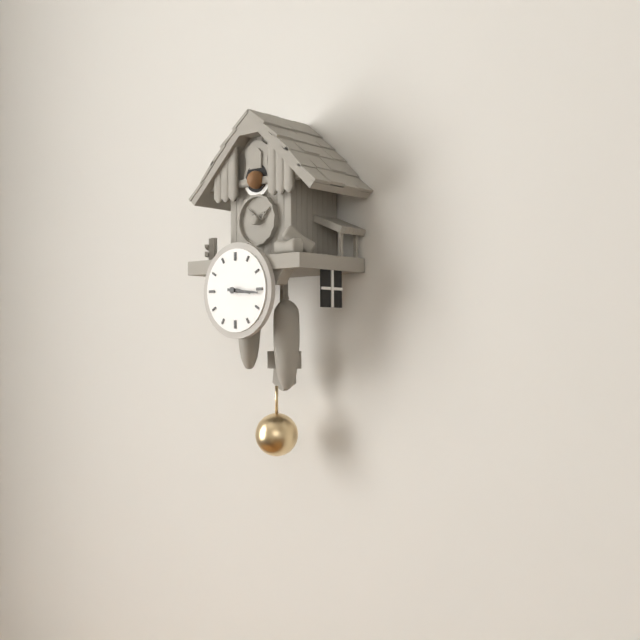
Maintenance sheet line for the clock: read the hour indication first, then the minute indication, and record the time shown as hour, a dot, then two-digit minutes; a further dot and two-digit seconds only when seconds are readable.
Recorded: 3.16
